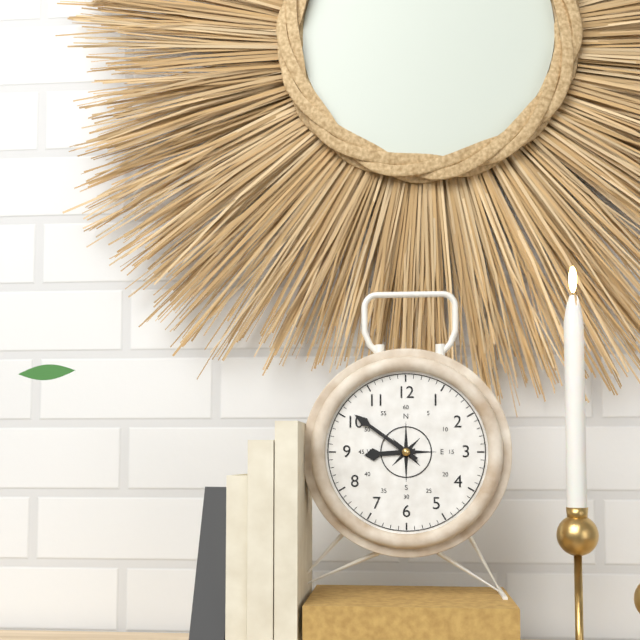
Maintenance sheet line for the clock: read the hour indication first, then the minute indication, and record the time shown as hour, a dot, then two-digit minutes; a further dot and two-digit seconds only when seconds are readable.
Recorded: 8.51
